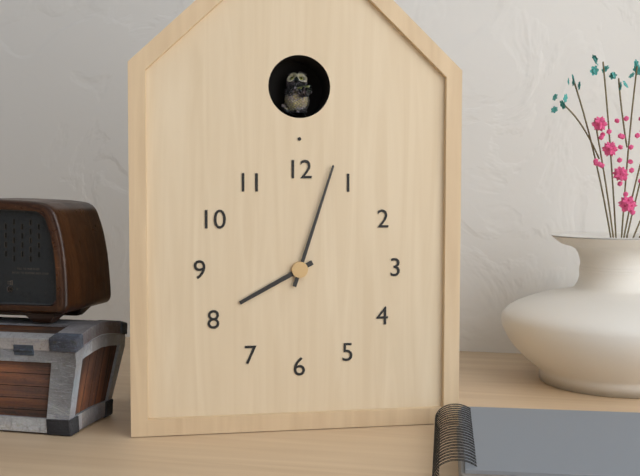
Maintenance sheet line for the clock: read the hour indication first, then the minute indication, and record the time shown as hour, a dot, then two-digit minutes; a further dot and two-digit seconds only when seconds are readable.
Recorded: 8.03
